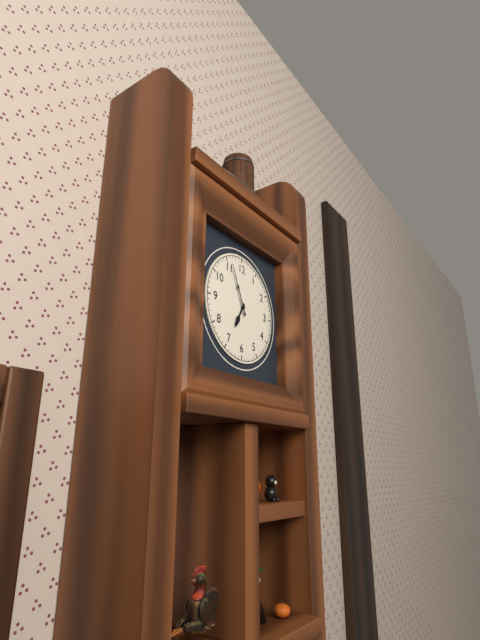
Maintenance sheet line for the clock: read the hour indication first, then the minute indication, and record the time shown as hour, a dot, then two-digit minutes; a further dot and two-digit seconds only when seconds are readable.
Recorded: 6.56
